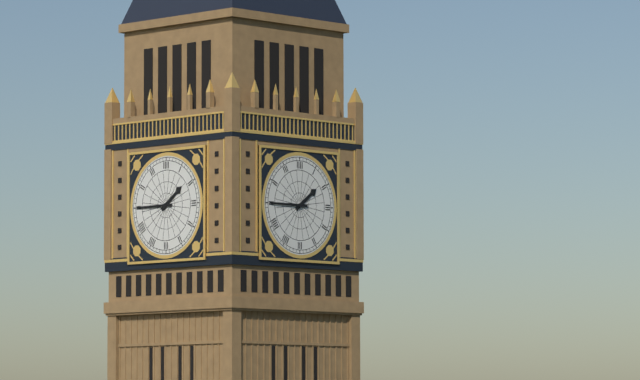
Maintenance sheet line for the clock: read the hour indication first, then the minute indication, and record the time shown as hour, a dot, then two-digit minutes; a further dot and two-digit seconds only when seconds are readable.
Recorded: 1.45
